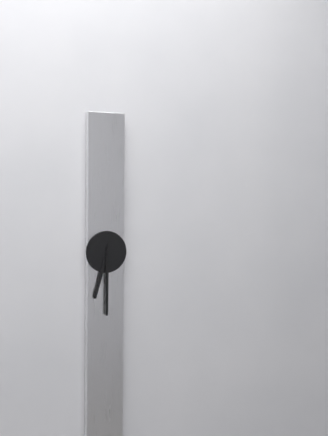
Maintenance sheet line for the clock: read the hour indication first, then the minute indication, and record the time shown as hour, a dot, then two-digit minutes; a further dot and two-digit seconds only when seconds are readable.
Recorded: 6.30
